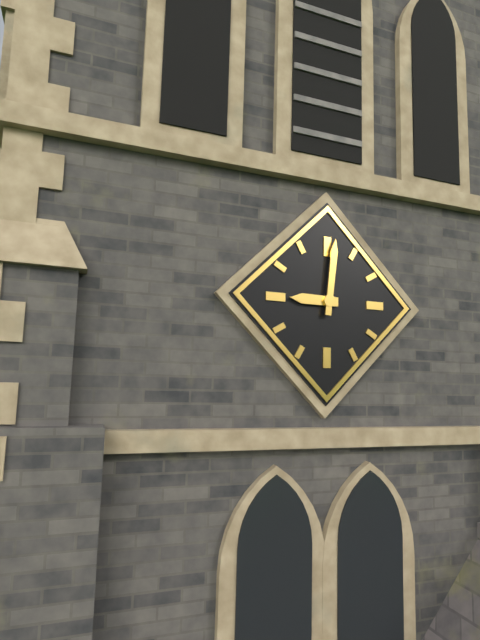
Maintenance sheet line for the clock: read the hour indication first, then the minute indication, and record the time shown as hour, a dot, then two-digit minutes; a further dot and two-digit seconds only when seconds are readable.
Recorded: 9.01
